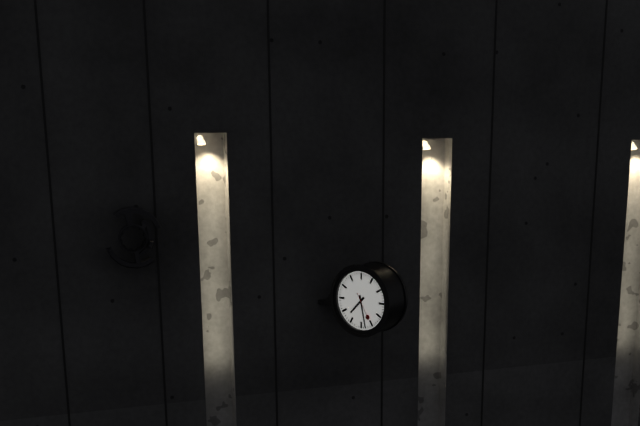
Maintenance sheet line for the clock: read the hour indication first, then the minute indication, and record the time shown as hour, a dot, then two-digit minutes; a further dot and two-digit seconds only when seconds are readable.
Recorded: 7.28
